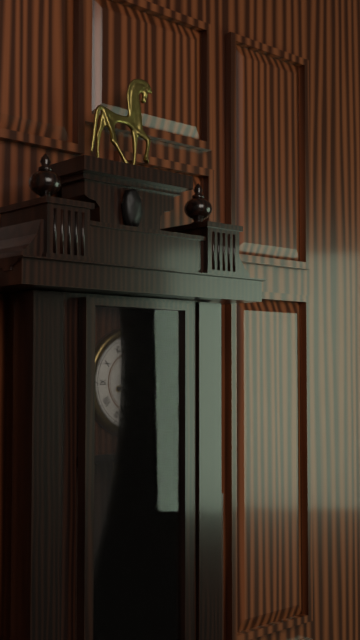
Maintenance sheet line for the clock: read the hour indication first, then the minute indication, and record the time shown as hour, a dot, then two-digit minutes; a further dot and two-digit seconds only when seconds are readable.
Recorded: 3.32
